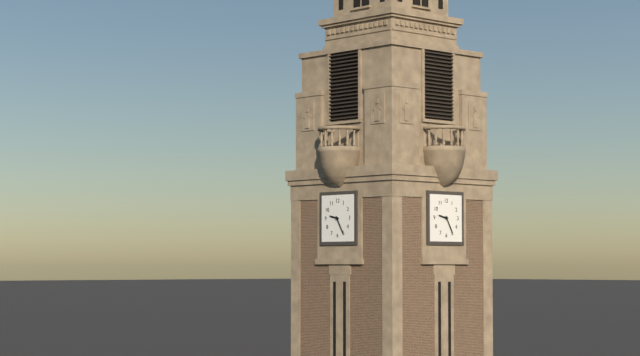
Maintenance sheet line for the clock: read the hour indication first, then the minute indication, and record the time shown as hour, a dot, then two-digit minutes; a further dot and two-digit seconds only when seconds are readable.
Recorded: 9.25
